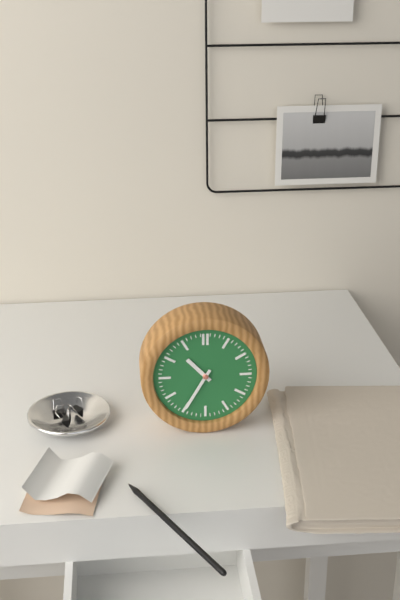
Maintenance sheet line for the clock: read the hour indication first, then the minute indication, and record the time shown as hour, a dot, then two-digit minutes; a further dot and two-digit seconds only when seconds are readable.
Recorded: 10.35
